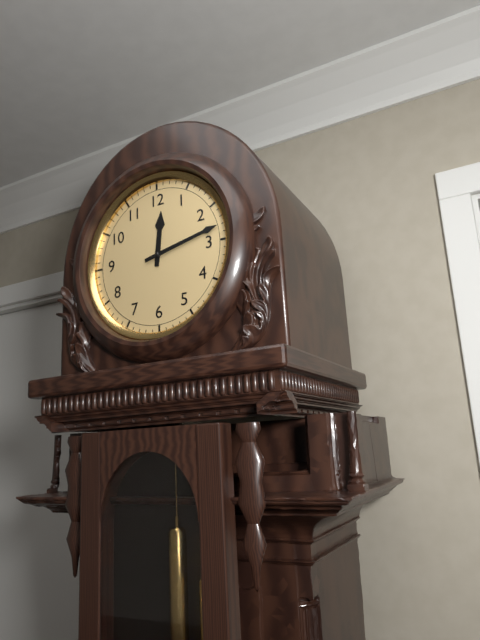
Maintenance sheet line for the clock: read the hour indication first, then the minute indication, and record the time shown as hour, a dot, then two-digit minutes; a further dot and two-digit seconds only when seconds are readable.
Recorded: 12.13
